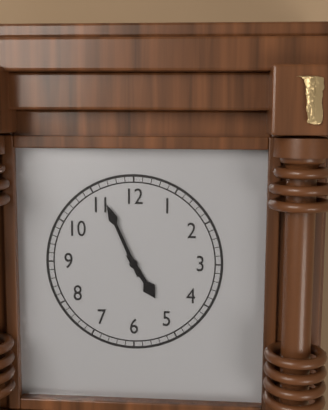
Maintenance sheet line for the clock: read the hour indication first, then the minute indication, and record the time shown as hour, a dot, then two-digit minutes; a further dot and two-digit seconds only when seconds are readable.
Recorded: 4.56
